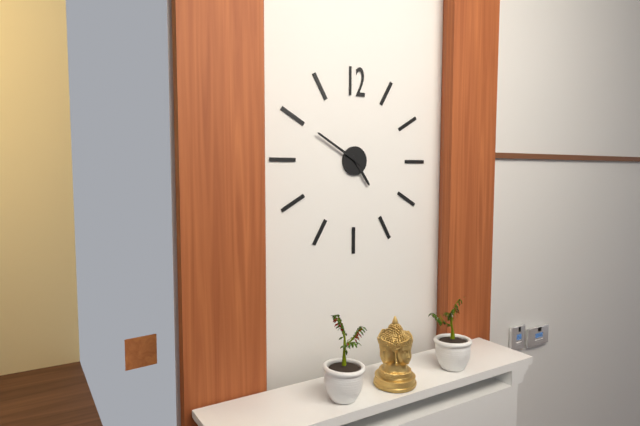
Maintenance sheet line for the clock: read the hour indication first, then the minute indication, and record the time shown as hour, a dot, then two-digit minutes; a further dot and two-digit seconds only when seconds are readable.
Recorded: 4.50
